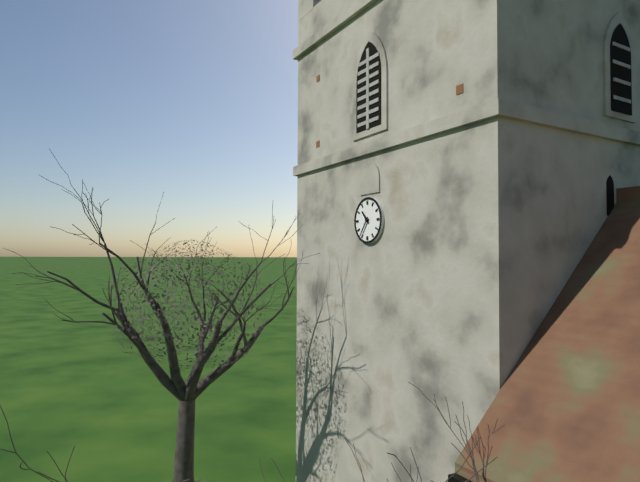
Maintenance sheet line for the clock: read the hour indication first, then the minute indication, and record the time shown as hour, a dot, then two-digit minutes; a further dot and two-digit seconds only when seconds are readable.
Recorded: 10.36
